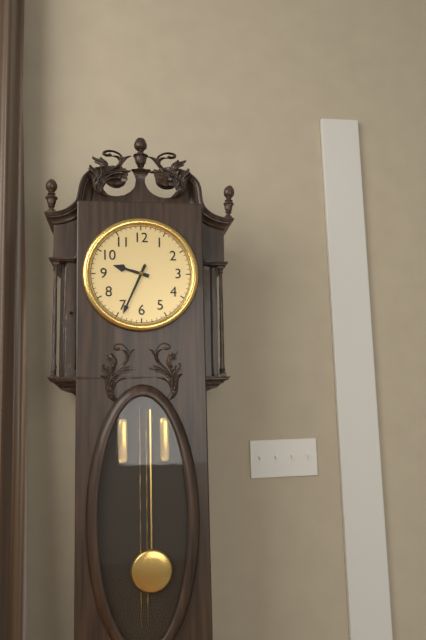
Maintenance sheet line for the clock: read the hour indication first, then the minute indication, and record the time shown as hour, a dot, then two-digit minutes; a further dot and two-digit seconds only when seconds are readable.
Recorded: 9.34
